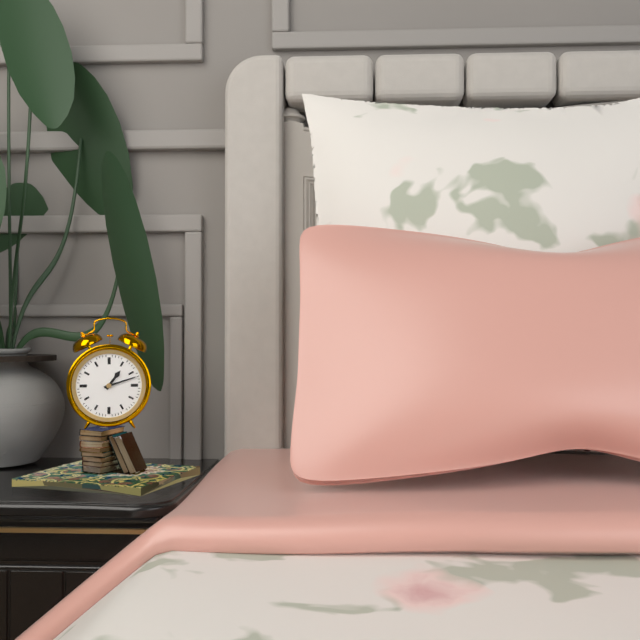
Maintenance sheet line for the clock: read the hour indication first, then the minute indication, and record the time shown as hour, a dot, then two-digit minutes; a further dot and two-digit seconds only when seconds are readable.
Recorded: 1.12
